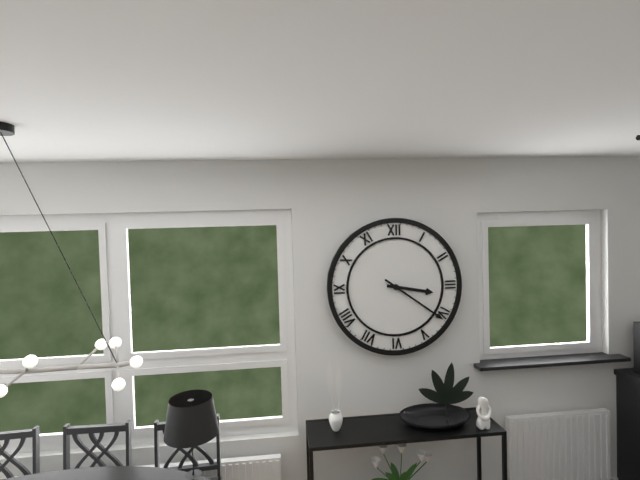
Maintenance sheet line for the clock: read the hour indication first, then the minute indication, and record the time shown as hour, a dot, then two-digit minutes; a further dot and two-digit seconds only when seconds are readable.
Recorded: 3.21
